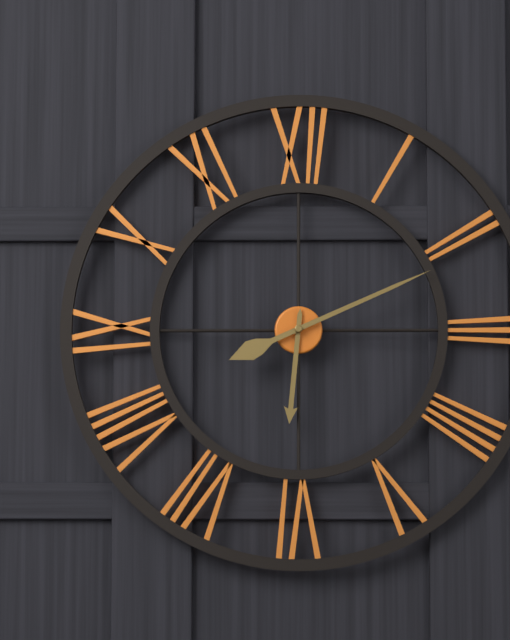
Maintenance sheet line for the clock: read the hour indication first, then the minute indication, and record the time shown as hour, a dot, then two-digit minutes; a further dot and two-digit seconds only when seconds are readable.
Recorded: 6.11
